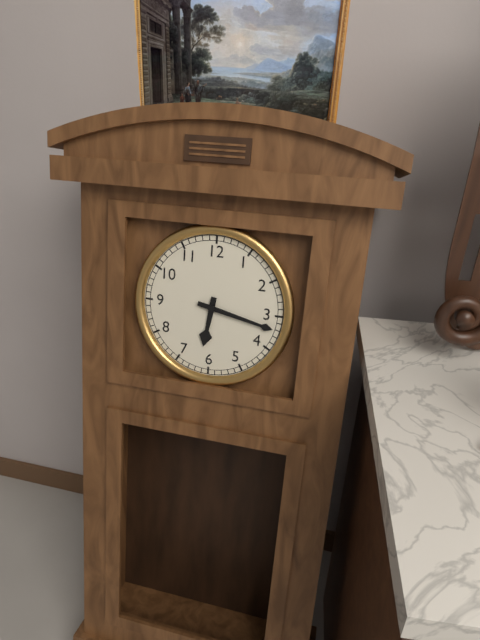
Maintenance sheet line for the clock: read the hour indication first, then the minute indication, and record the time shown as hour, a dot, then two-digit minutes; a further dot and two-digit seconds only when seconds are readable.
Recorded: 6.17
